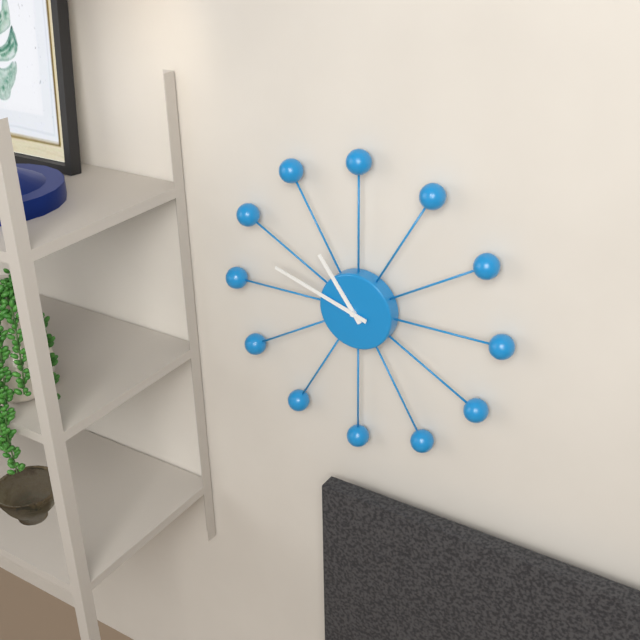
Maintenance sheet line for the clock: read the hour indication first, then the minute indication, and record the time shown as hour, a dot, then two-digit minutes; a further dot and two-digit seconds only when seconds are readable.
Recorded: 10.48
